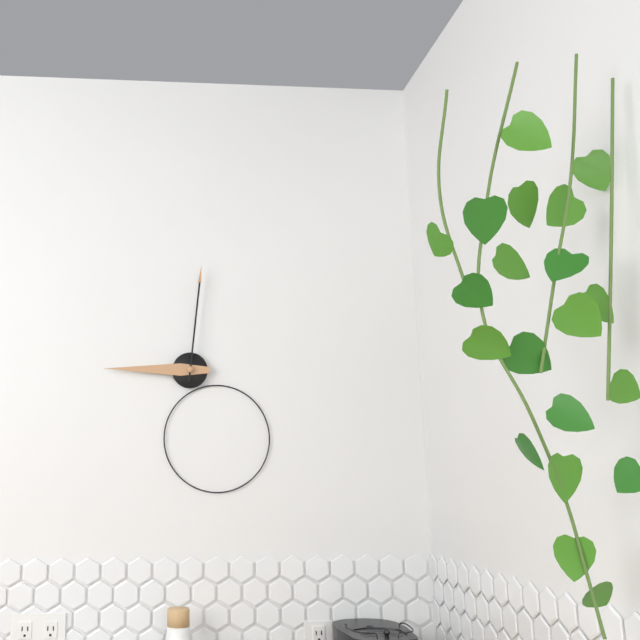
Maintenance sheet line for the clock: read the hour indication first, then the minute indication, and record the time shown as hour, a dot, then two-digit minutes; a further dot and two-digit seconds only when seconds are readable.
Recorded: 9.01
